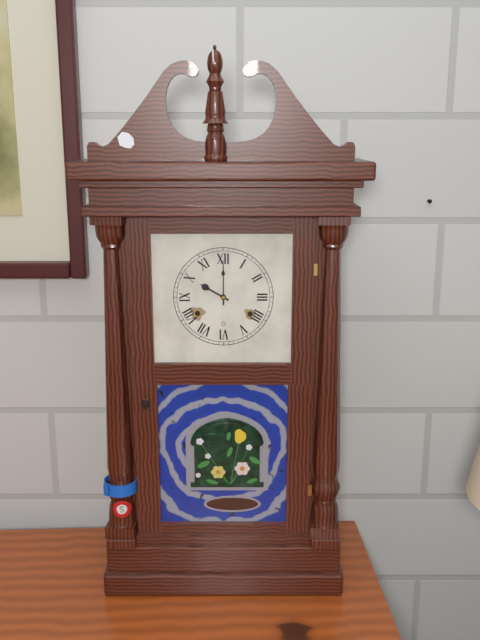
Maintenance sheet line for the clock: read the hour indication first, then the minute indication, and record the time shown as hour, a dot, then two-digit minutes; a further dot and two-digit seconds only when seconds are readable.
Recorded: 10.00
